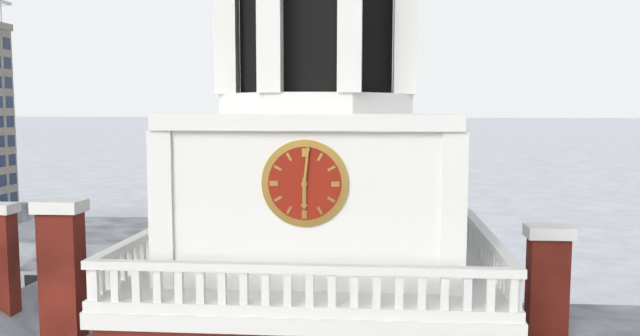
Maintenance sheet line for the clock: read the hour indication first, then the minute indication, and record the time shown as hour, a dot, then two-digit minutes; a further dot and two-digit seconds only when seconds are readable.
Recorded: 6.01
